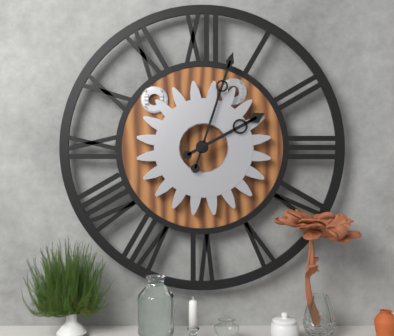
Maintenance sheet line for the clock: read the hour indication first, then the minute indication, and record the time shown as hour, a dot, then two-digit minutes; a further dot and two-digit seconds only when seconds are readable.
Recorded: 2.03
